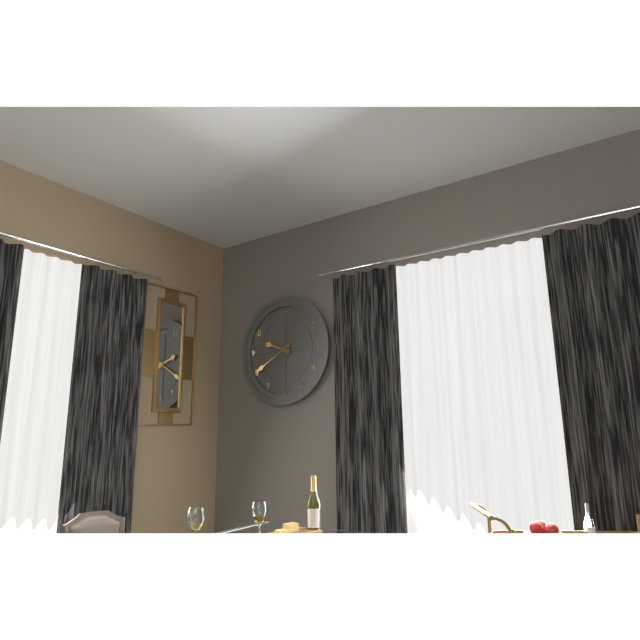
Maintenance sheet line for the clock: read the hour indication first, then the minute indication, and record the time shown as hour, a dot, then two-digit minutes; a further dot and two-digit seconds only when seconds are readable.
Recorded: 9.40
